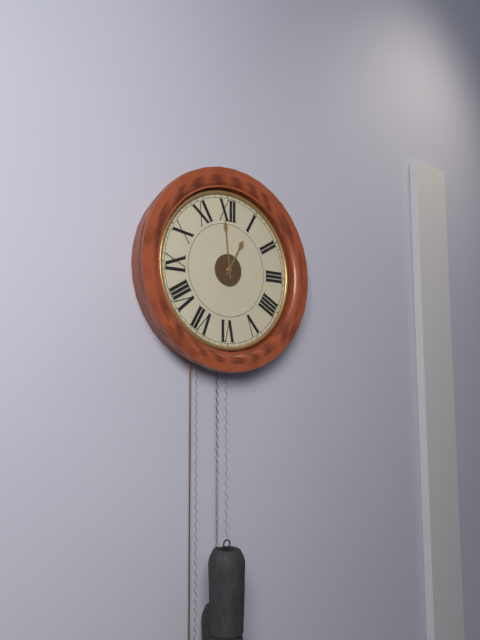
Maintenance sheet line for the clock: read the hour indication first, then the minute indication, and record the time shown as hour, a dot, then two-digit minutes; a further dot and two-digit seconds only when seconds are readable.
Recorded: 12.59
